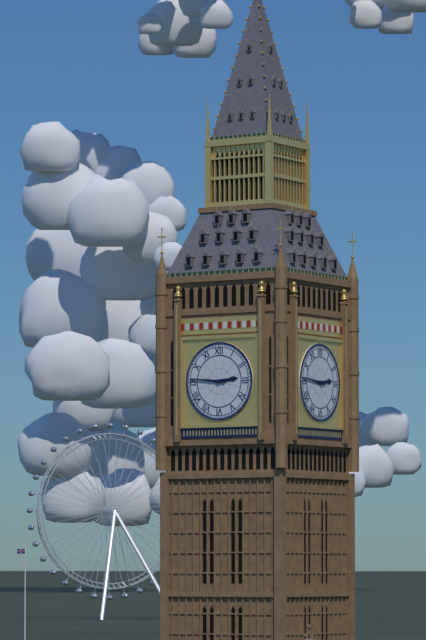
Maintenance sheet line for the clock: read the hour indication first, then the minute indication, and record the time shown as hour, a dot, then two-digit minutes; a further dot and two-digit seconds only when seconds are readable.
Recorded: 2.46
